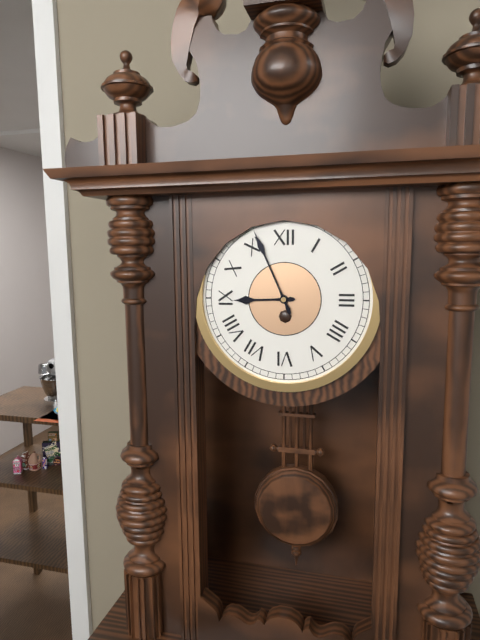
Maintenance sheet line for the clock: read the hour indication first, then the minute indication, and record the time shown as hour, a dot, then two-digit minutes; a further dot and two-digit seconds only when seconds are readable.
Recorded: 8.56
